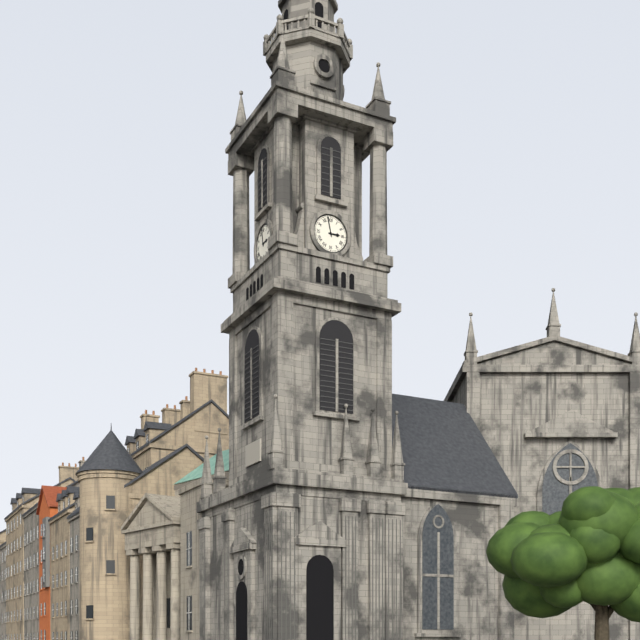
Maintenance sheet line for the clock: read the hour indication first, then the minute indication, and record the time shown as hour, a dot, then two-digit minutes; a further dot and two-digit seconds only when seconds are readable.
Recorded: 2.58
